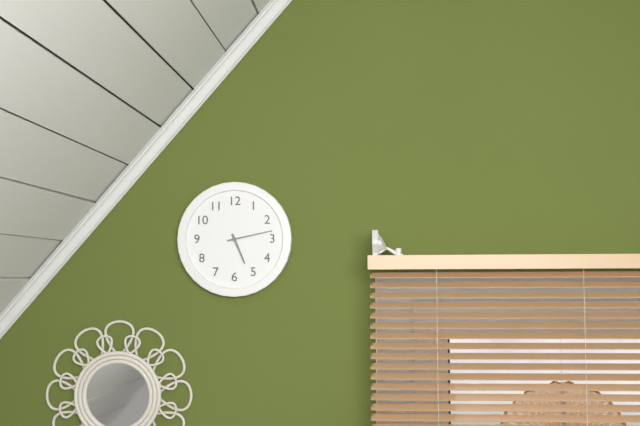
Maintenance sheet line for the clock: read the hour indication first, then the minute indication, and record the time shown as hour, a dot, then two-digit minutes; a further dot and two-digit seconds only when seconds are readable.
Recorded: 5.13
